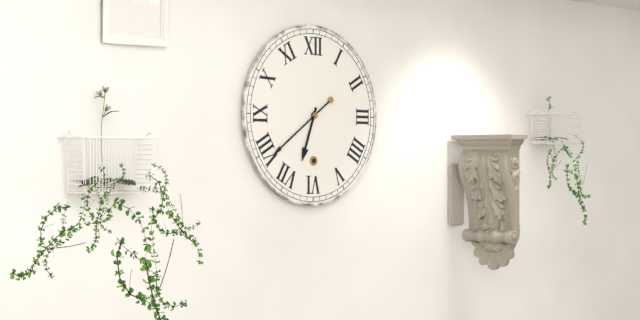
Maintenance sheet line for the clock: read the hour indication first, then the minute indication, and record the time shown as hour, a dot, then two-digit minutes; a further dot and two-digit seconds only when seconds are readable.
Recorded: 6.39
